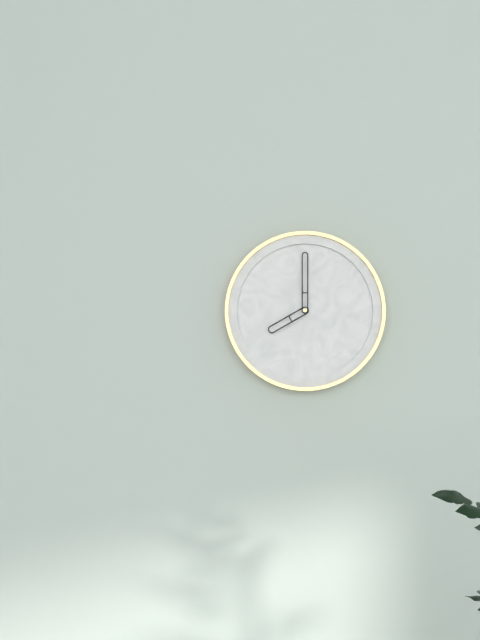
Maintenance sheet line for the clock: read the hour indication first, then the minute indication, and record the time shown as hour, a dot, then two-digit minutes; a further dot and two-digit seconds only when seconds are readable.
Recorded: 8.00
